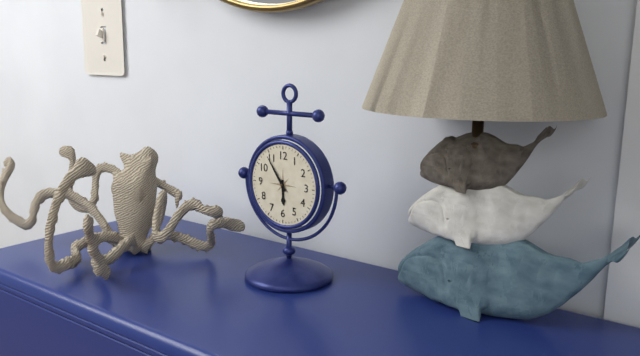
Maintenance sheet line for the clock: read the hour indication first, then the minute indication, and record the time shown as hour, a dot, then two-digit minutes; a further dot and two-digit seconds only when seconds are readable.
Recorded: 5.54
